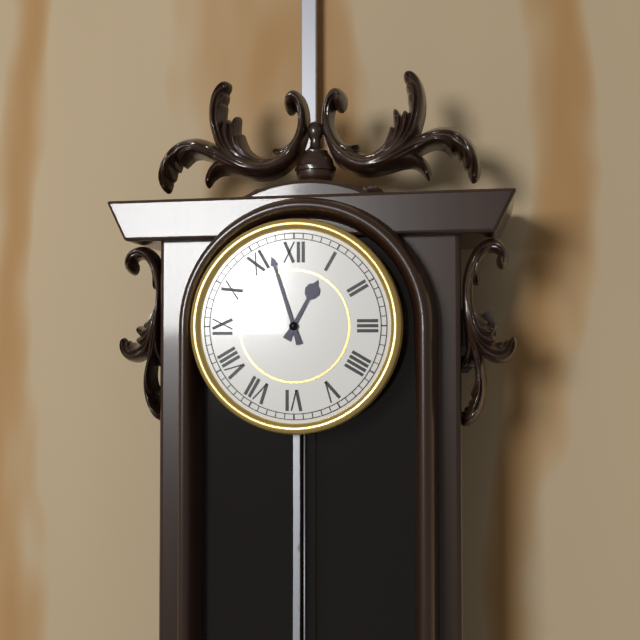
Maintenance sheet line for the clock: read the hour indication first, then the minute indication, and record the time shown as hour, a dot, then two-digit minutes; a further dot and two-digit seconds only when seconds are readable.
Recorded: 12.57
